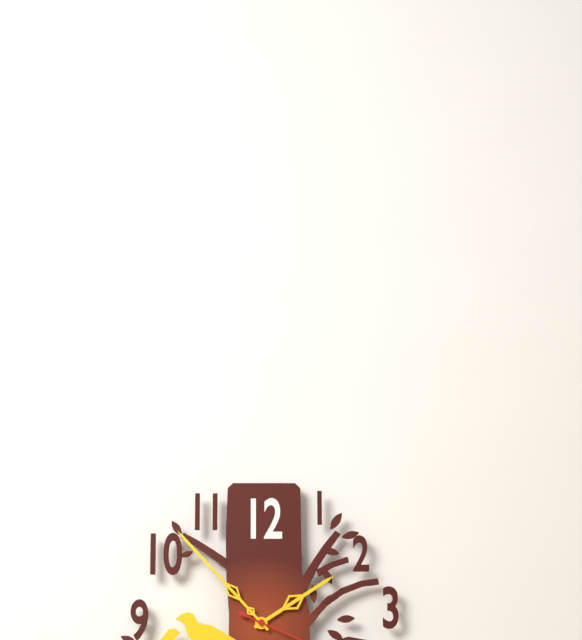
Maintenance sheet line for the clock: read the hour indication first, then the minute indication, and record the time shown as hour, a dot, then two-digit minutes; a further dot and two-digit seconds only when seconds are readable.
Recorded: 1.53
